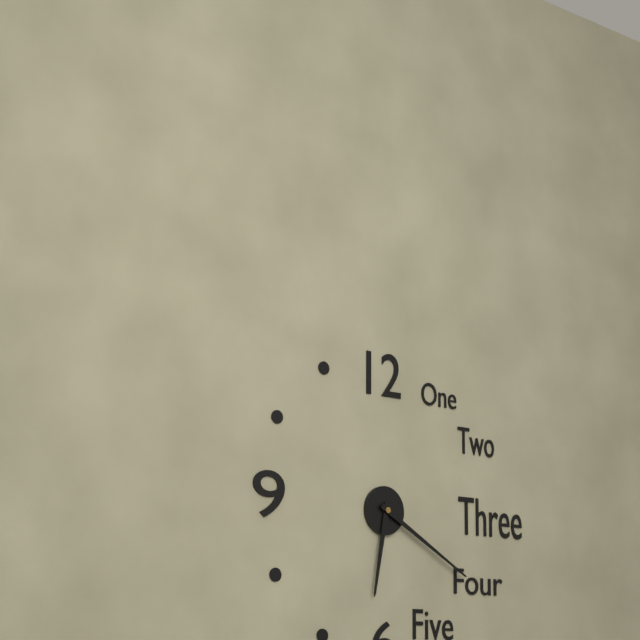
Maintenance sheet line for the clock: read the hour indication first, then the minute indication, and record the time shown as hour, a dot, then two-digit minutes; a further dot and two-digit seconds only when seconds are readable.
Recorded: 6.20
